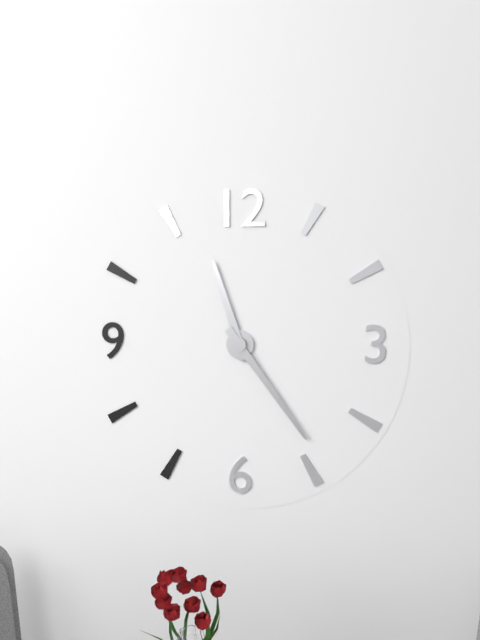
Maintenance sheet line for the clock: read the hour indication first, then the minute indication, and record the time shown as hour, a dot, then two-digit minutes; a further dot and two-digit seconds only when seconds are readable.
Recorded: 11.24
